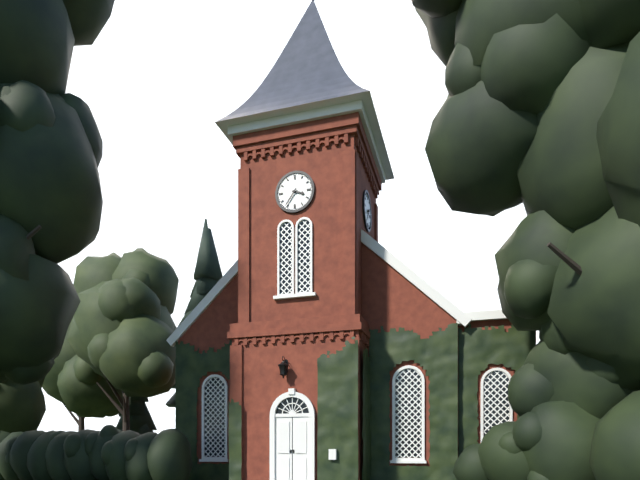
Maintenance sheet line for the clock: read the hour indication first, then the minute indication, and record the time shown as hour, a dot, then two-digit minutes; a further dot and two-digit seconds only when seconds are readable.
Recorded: 3.36
